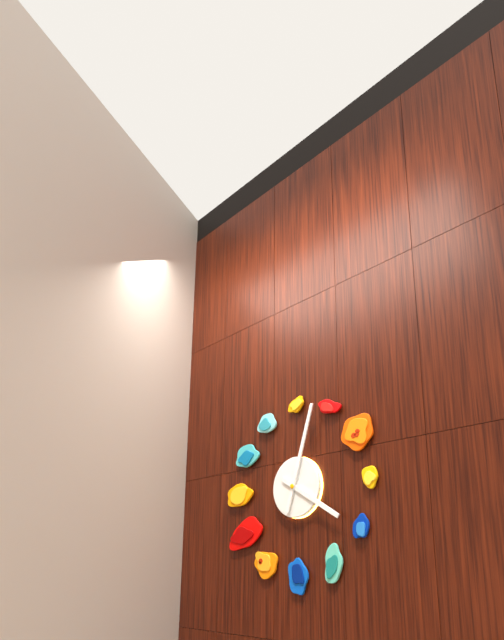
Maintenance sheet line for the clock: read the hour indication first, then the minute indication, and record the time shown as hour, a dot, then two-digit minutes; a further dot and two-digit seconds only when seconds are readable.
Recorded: 4.03
